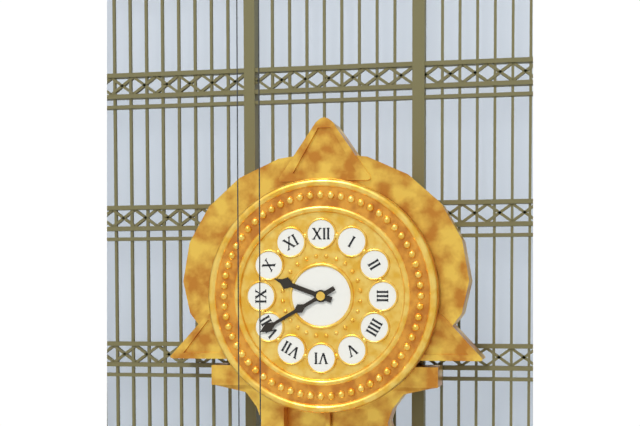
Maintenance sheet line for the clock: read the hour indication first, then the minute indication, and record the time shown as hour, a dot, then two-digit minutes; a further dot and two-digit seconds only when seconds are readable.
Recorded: 9.40
